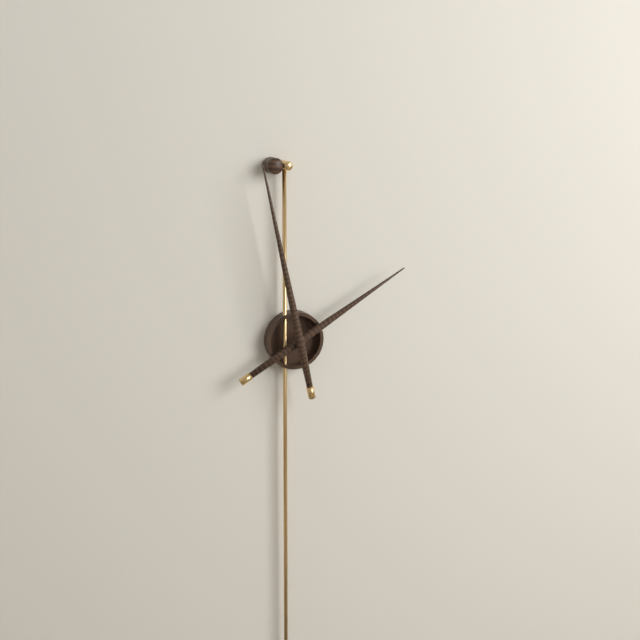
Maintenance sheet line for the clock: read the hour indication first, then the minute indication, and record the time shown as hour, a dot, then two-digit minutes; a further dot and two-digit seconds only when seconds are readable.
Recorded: 1.58
